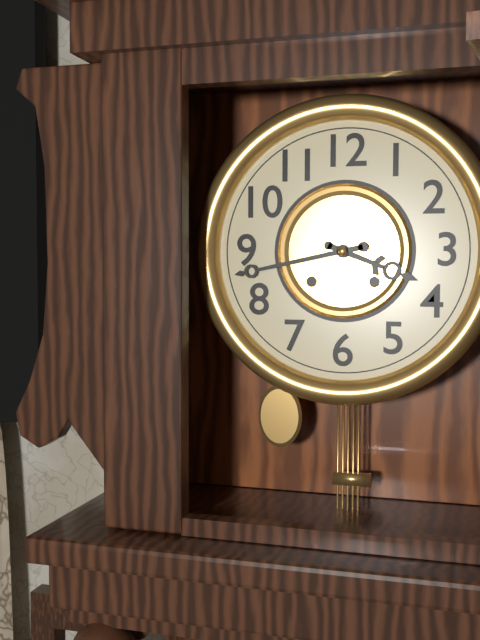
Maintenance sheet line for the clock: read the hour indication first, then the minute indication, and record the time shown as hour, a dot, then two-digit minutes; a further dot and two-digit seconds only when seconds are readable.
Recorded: 3.43
